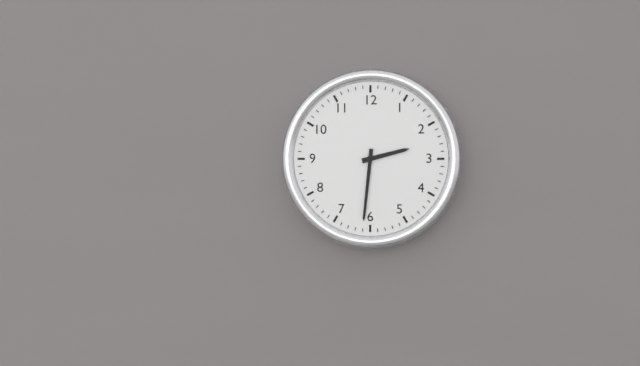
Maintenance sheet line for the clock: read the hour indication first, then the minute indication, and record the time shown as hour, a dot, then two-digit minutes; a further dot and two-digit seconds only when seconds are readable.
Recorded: 2.31
